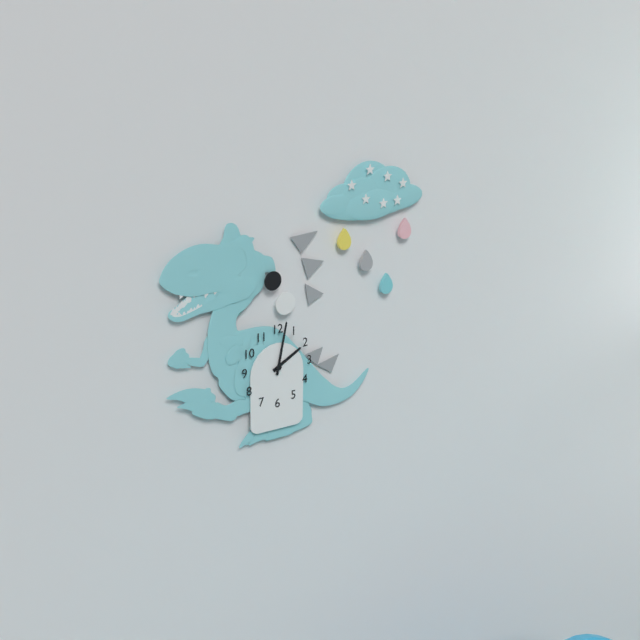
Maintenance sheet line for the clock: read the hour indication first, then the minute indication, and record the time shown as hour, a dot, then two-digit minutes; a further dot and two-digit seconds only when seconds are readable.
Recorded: 2.02
